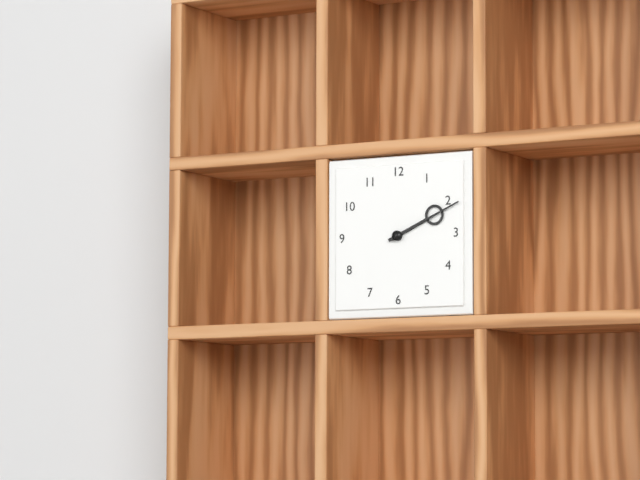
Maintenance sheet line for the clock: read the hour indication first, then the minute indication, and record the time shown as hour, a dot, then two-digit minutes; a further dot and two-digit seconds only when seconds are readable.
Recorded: 2.11
